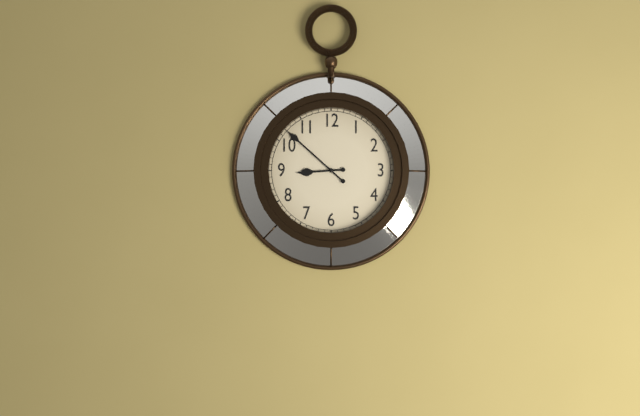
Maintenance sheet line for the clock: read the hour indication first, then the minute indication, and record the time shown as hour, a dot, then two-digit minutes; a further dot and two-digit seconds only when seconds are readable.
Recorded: 8.52
